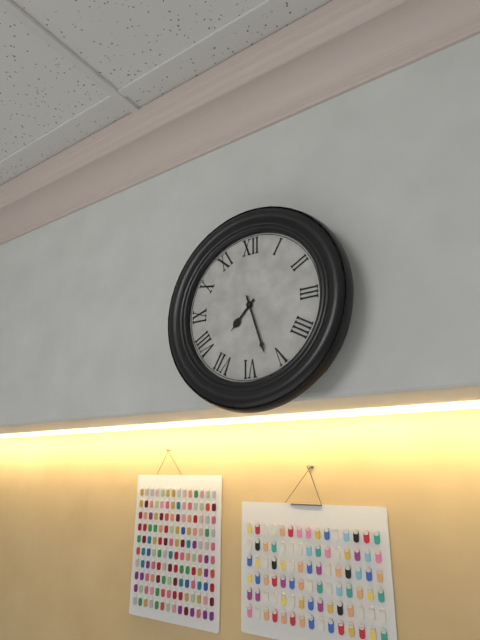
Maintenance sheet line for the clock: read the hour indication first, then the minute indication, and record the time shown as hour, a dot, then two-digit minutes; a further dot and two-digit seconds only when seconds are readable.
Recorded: 7.27
